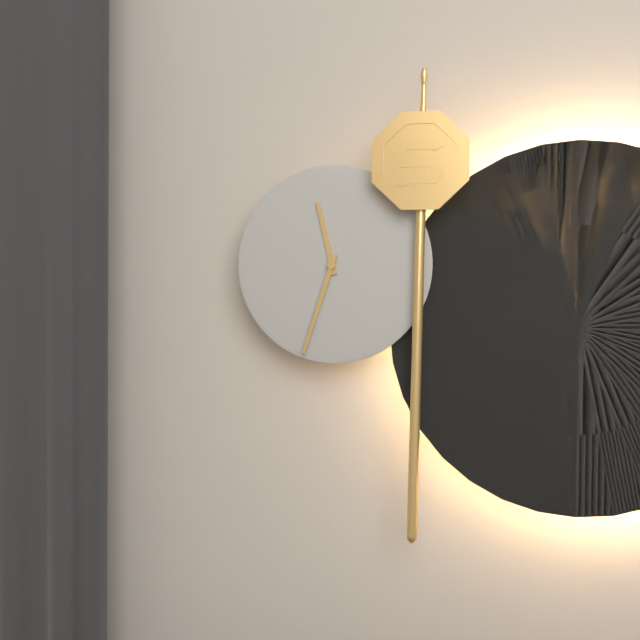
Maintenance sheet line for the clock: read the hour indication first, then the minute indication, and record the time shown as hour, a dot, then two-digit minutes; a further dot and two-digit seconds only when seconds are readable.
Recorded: 11.33
